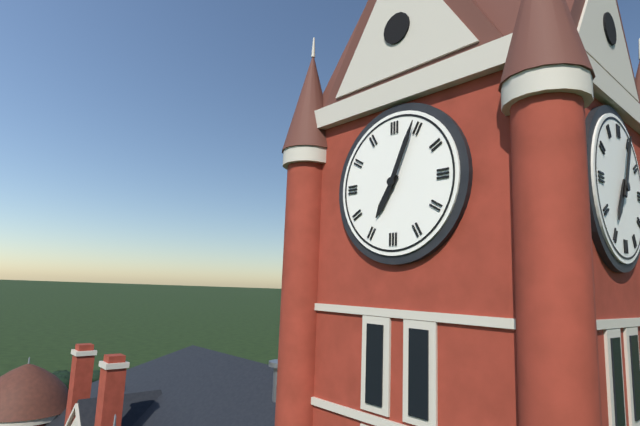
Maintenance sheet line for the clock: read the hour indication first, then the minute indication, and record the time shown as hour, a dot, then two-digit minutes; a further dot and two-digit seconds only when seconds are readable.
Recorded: 7.04
